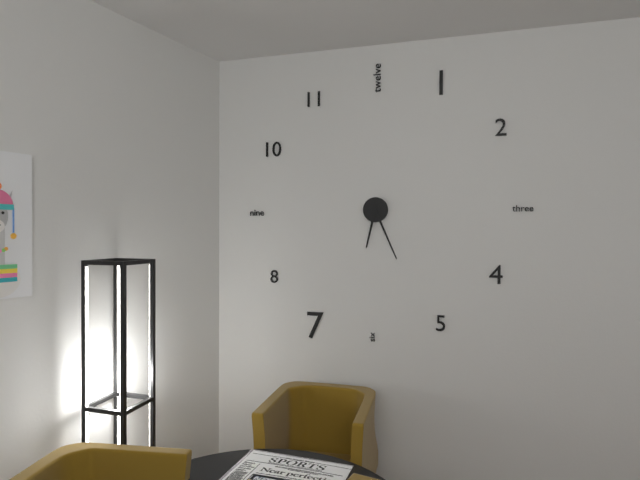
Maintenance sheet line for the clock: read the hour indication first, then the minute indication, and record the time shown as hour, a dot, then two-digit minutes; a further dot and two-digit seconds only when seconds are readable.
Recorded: 6.26
